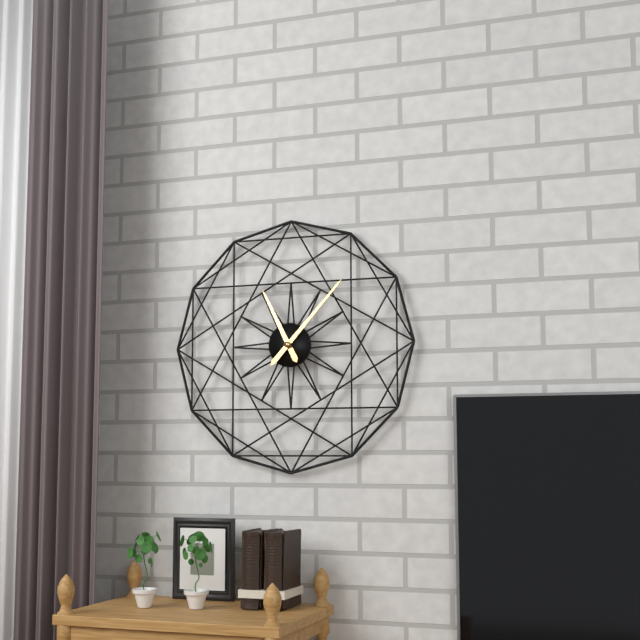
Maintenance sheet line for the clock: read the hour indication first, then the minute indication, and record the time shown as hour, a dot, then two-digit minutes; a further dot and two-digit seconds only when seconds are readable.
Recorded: 11.07
